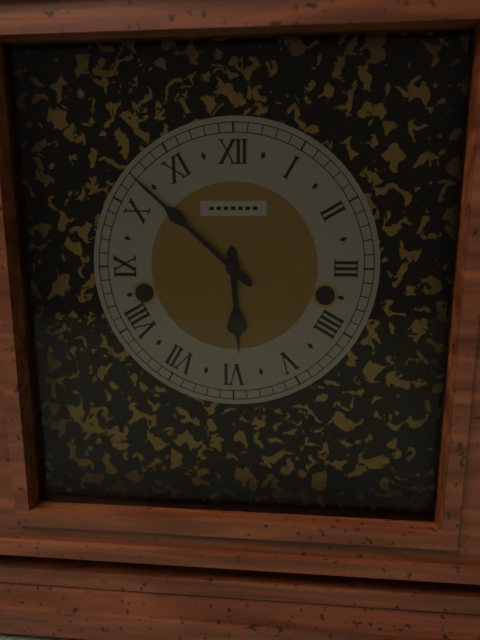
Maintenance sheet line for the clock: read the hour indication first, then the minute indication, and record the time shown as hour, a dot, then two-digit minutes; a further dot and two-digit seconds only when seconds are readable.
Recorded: 5.52
